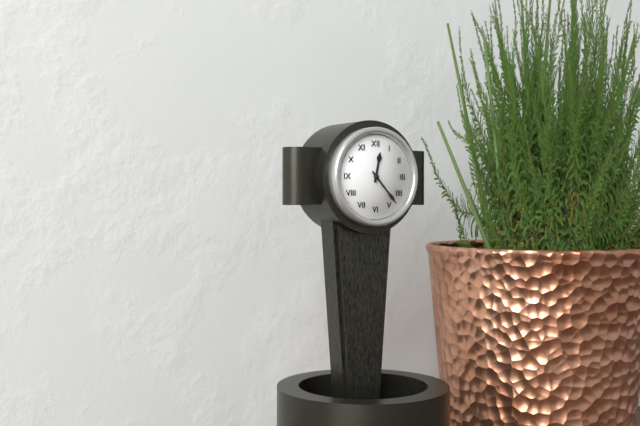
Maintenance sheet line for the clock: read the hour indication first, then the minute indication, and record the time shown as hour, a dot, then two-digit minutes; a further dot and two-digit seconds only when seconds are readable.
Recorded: 12.23
